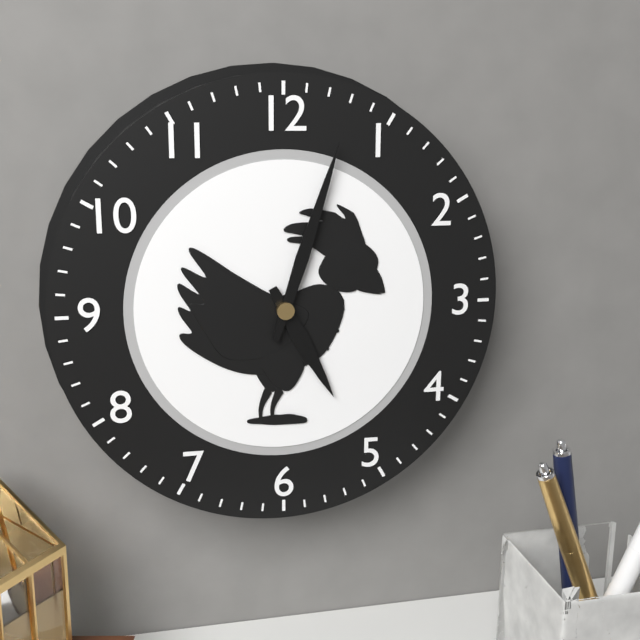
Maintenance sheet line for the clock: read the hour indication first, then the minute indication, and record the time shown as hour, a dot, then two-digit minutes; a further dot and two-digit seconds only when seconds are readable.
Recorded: 5.03
